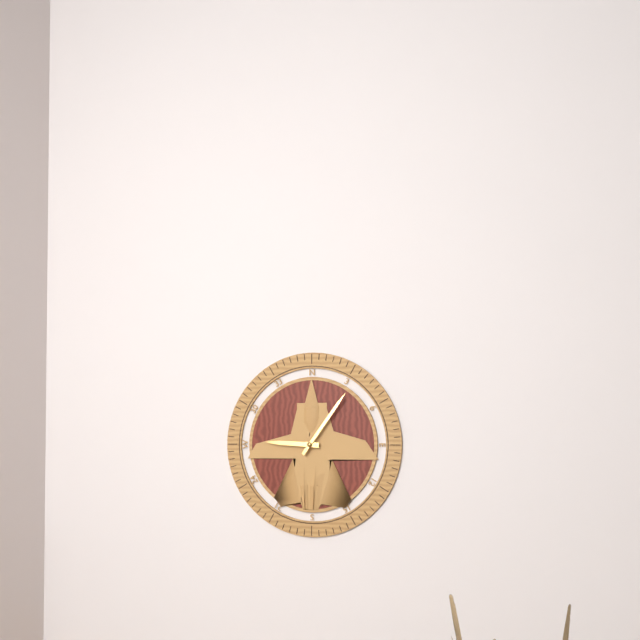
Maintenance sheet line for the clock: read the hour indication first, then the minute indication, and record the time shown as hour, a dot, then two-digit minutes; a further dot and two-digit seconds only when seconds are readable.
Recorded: 9.06
